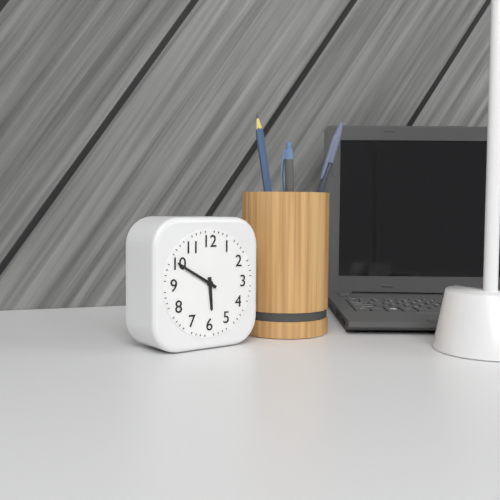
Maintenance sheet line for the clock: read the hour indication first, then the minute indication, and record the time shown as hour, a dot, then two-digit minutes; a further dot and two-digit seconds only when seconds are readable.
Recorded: 5.50
